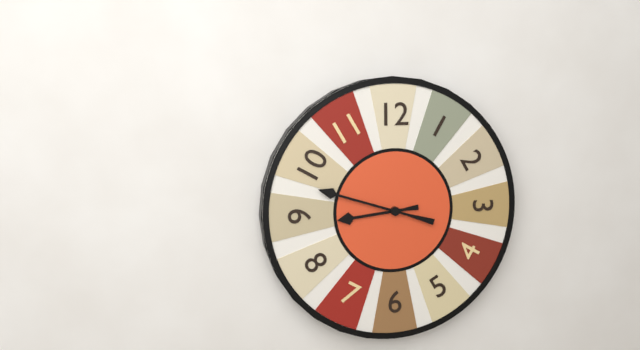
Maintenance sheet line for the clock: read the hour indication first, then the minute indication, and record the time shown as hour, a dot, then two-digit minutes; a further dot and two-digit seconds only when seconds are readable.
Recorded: 8.48
